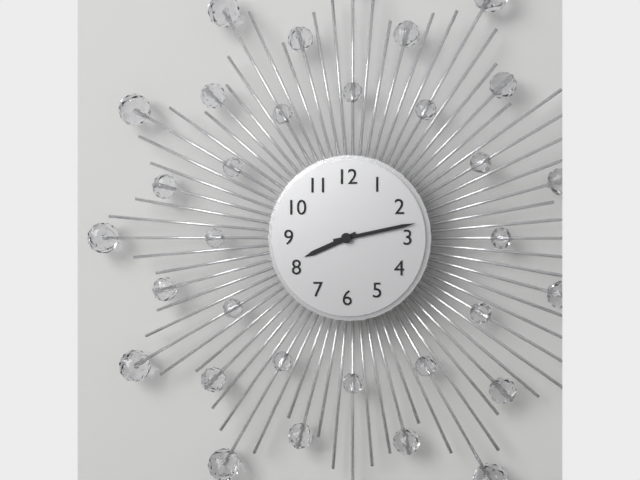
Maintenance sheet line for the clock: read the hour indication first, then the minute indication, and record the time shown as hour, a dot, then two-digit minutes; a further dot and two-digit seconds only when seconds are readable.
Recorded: 8.13
